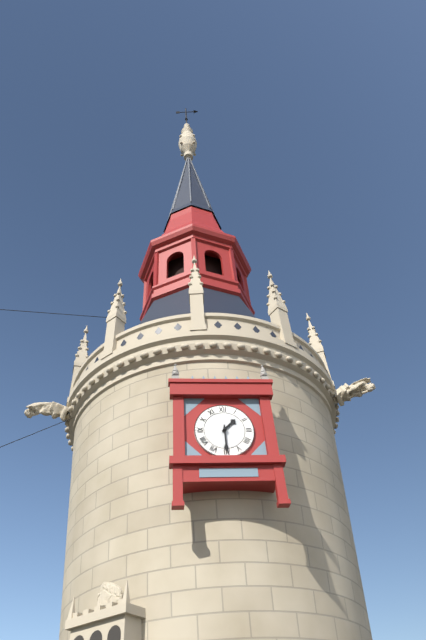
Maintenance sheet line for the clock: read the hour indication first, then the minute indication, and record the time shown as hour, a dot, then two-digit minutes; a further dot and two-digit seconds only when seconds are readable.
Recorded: 1.30
